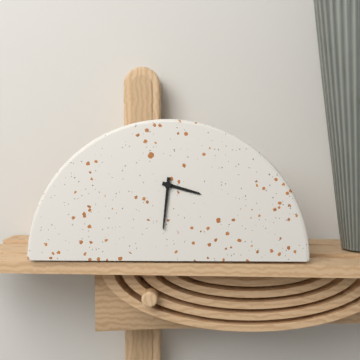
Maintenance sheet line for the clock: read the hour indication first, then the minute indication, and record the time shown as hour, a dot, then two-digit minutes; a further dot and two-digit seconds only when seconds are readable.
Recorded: 3.31
